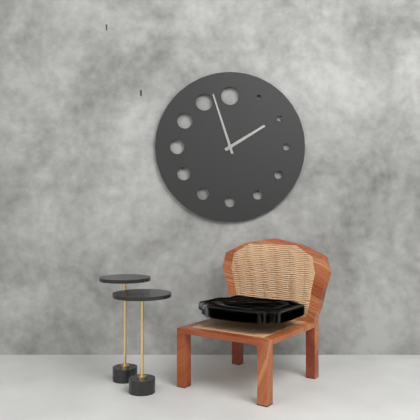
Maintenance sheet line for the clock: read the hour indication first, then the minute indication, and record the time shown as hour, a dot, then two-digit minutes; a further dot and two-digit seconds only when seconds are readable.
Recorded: 1.57
